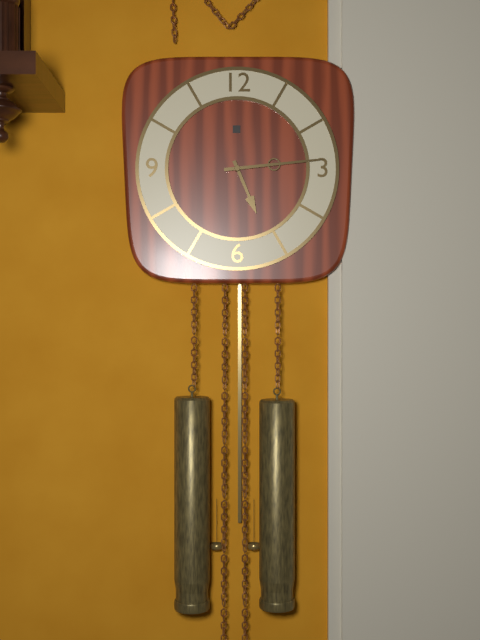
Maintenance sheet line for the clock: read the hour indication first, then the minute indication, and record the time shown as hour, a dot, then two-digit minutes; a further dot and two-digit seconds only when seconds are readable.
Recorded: 5.14
